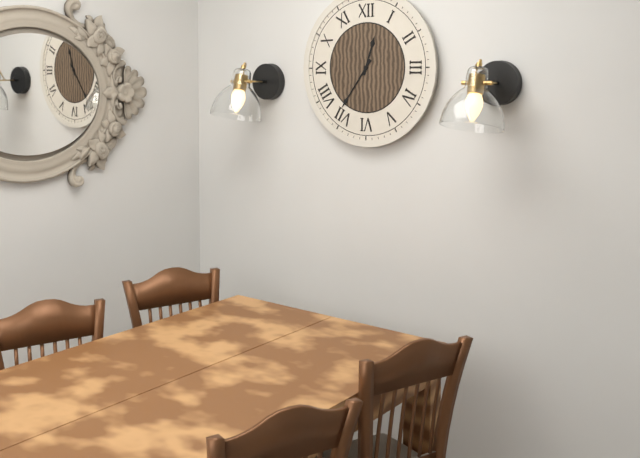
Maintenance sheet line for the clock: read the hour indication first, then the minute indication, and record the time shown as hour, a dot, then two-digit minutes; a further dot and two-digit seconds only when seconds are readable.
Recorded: 12.36
